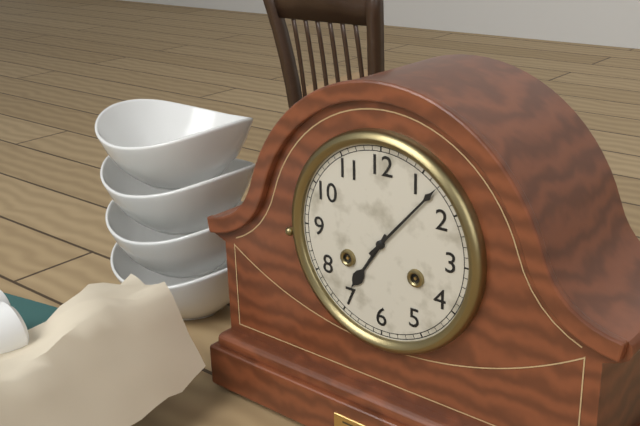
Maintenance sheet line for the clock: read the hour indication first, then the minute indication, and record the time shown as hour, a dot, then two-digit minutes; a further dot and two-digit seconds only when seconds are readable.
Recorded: 7.07
